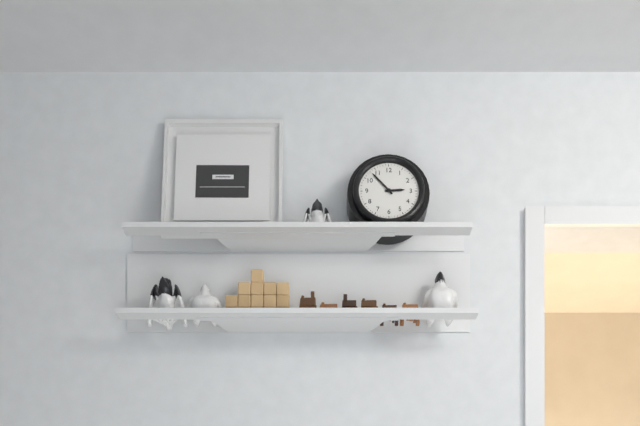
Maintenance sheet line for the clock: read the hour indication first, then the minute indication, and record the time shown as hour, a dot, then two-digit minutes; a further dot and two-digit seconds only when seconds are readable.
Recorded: 2.53
